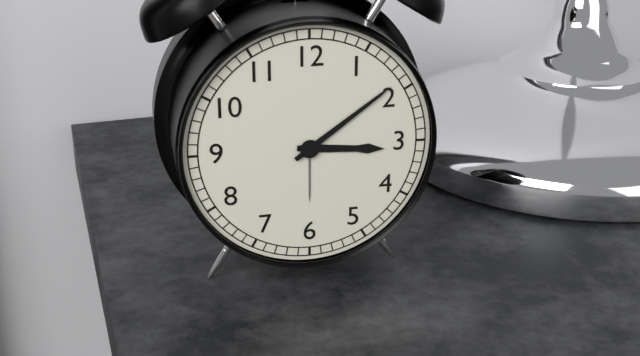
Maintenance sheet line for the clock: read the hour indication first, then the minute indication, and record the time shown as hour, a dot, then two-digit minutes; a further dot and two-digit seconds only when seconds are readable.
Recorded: 3.09
